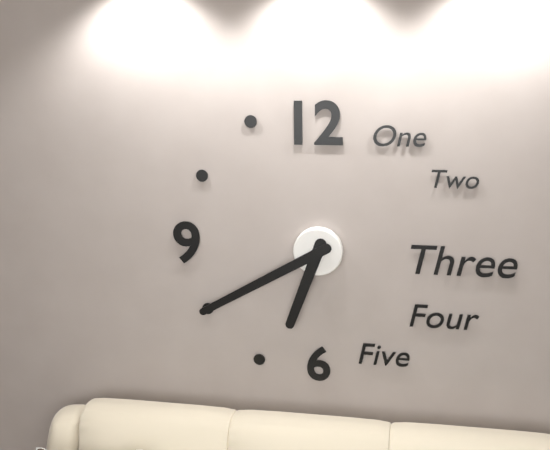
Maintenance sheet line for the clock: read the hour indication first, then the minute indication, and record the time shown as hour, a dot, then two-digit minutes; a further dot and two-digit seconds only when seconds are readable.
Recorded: 6.40
